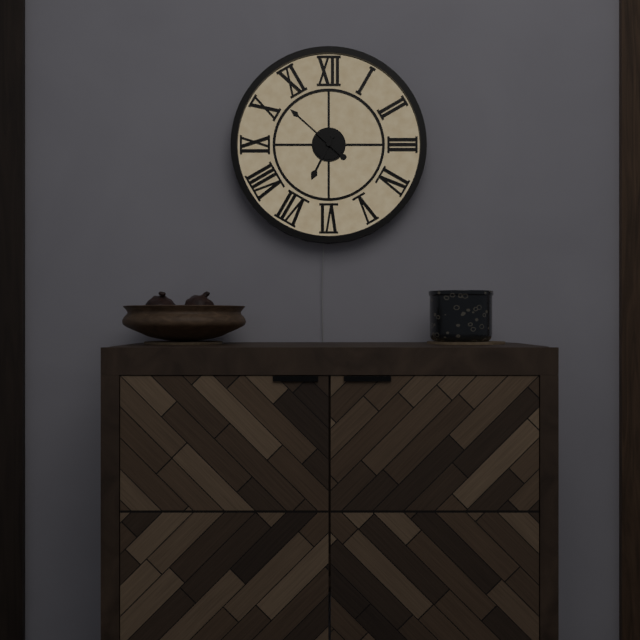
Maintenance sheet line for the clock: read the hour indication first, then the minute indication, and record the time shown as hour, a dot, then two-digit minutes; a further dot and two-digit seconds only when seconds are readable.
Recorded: 6.52
